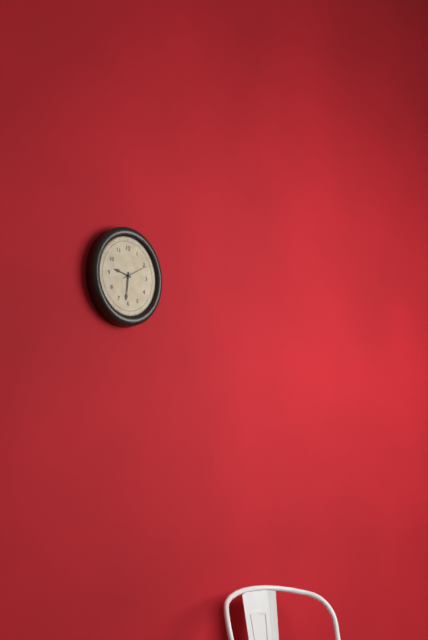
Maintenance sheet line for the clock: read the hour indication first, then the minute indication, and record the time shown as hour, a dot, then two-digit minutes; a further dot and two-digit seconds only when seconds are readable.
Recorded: 9.31
